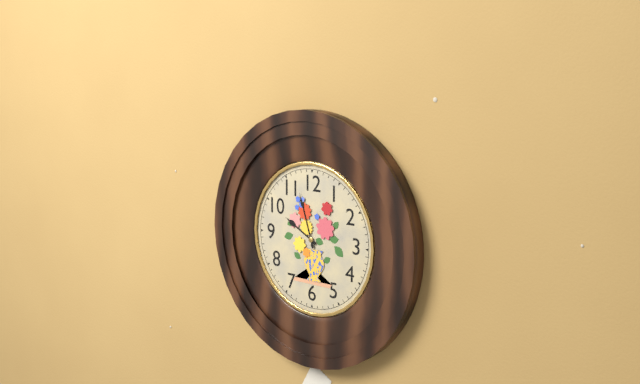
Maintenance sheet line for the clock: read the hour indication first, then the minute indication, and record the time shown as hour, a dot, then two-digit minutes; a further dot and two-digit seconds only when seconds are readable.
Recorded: 9.57
